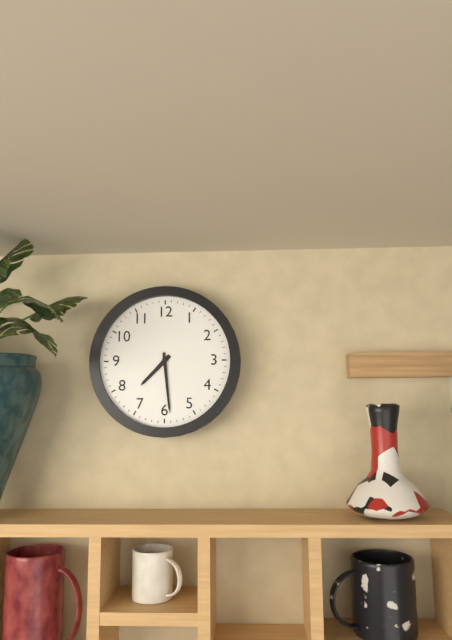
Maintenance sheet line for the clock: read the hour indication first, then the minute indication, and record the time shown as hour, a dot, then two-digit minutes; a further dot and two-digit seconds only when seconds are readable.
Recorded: 7.29
